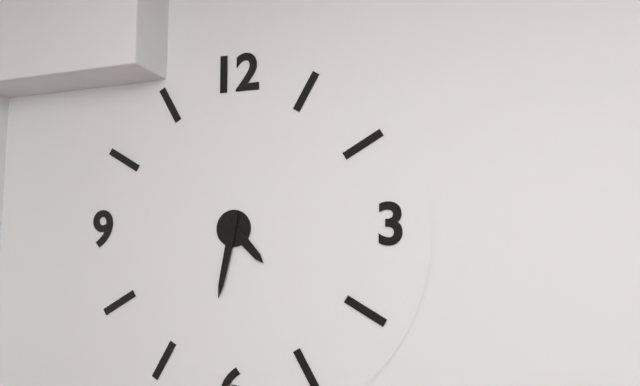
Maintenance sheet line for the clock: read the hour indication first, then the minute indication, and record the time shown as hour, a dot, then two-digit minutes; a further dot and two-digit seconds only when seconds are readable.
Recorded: 4.32
